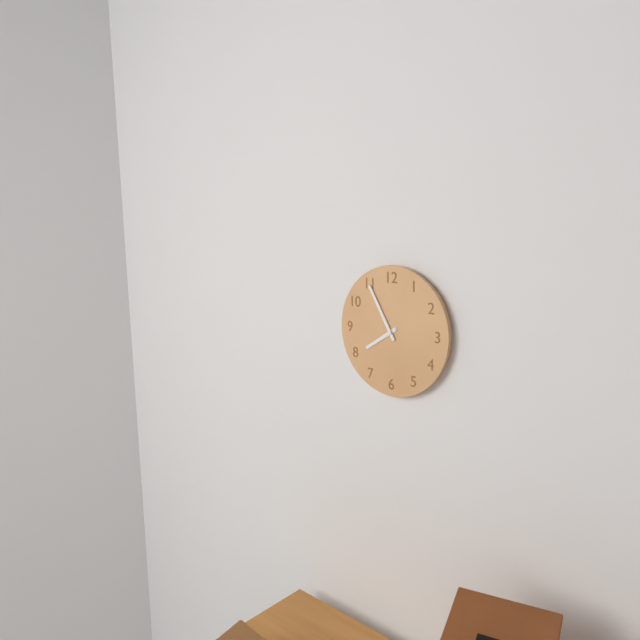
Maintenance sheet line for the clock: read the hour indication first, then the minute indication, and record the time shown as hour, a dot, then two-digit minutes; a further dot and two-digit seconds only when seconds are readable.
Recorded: 7.55
